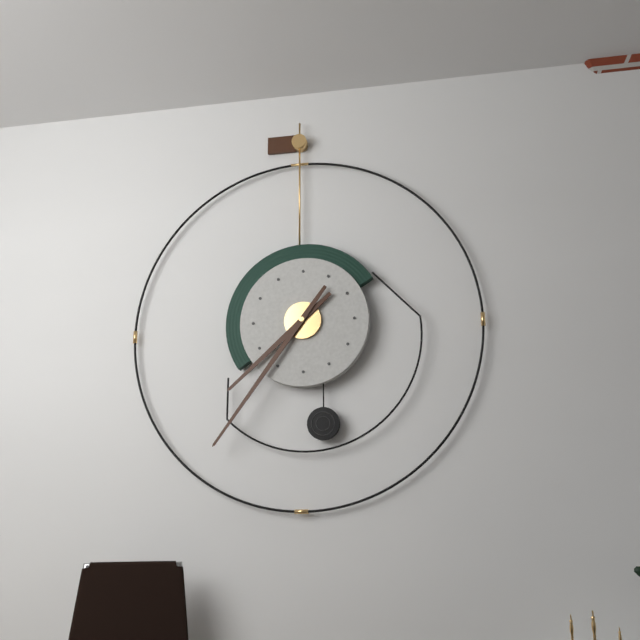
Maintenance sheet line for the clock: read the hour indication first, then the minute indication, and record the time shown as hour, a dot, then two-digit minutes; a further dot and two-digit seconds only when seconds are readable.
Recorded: 7.36
